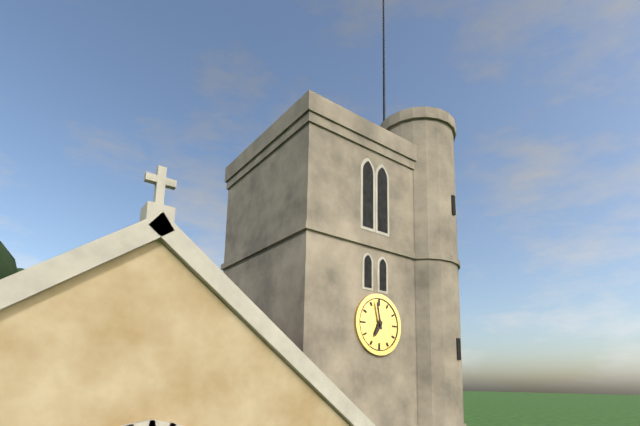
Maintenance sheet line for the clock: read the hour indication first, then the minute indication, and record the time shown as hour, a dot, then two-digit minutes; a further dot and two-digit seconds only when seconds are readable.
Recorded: 6.58
